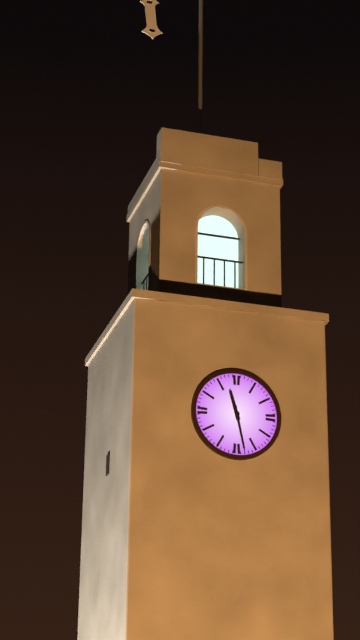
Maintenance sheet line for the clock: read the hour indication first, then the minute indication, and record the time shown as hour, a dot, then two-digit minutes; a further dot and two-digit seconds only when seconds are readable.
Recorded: 11.28
